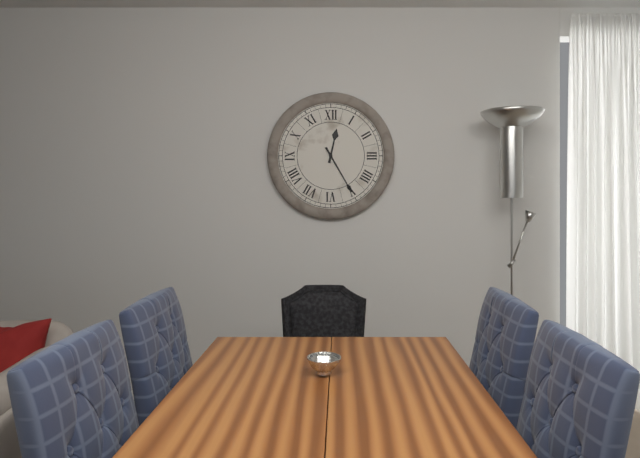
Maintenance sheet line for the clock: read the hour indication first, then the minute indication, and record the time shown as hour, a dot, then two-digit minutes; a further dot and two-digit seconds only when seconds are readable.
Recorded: 12.25
